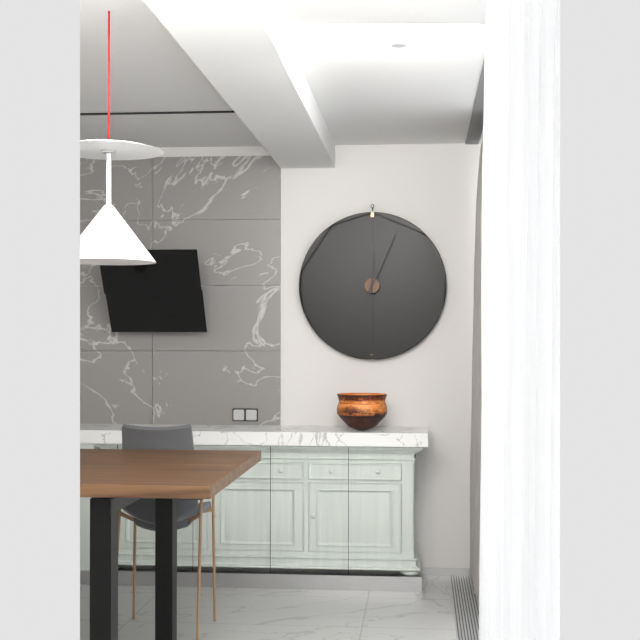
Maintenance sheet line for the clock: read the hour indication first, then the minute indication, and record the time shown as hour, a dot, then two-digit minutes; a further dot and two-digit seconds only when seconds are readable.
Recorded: 12.04
